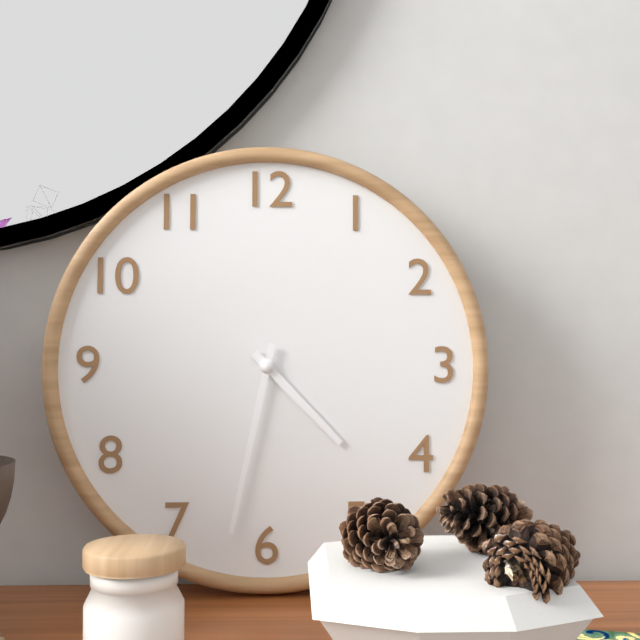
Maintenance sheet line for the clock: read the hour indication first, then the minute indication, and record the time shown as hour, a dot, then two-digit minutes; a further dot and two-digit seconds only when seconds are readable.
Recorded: 4.32
